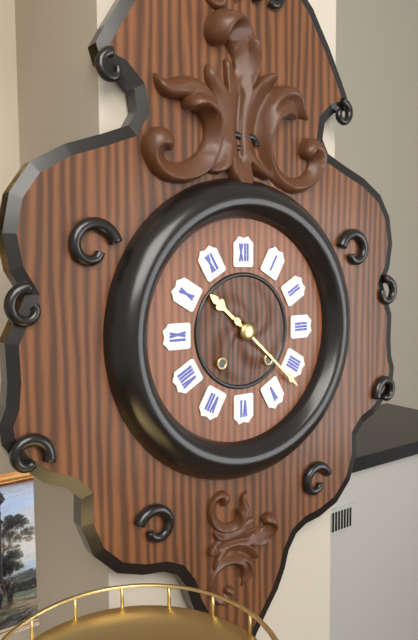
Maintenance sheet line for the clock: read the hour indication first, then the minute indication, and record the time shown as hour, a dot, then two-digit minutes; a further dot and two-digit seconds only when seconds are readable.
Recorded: 10.22
